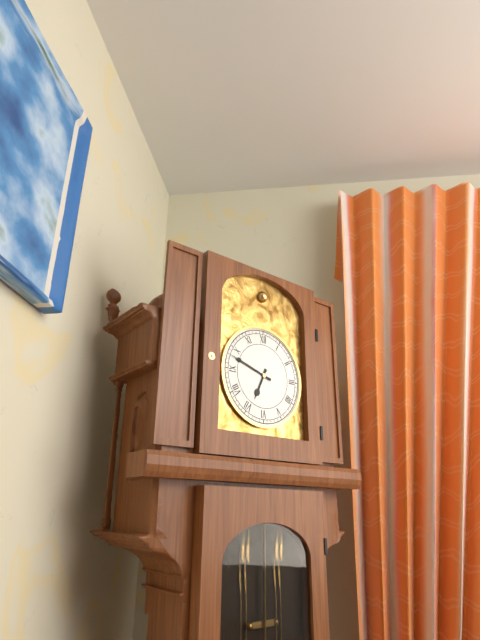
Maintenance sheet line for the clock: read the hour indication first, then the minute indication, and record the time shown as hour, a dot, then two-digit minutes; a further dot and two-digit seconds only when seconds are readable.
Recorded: 6.48
